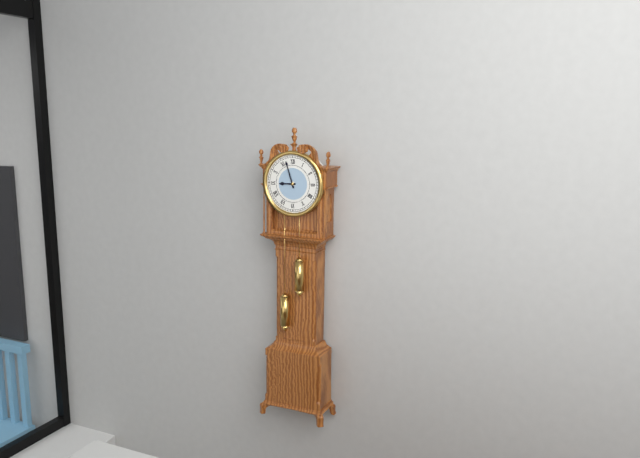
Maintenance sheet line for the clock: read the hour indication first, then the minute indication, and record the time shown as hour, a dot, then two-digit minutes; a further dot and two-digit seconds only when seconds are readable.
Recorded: 8.57
